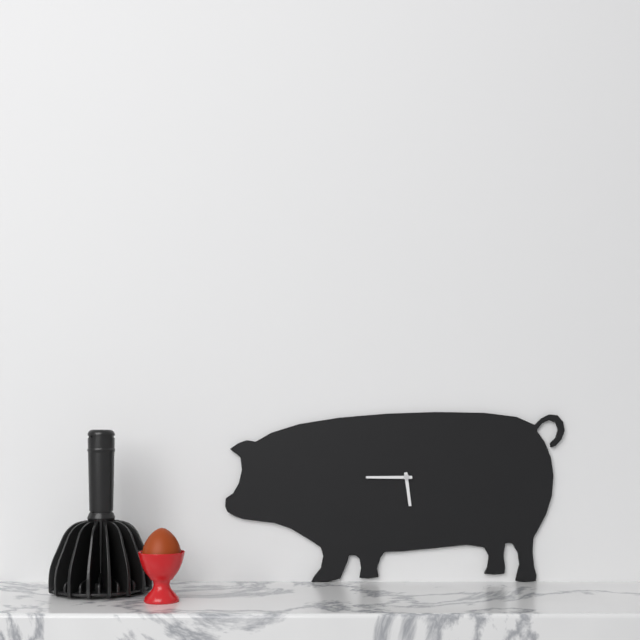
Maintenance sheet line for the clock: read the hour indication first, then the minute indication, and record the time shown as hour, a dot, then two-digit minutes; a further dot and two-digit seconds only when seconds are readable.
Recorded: 5.45
